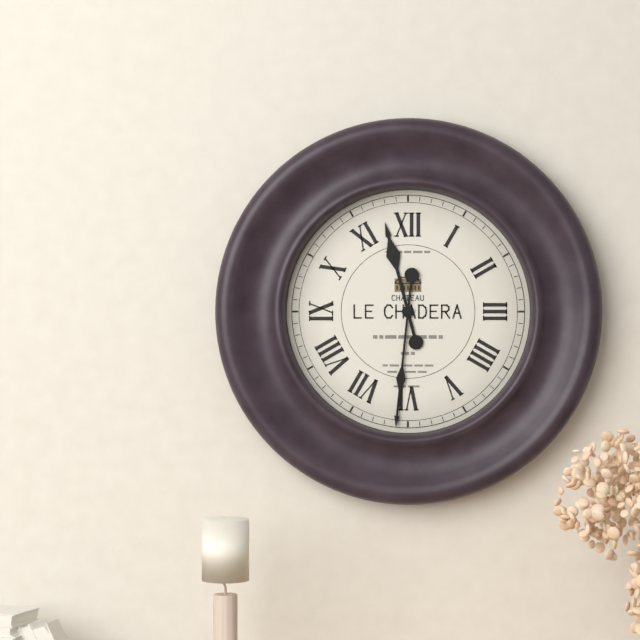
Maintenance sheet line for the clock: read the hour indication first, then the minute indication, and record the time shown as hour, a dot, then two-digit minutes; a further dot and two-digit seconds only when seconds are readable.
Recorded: 11.31
